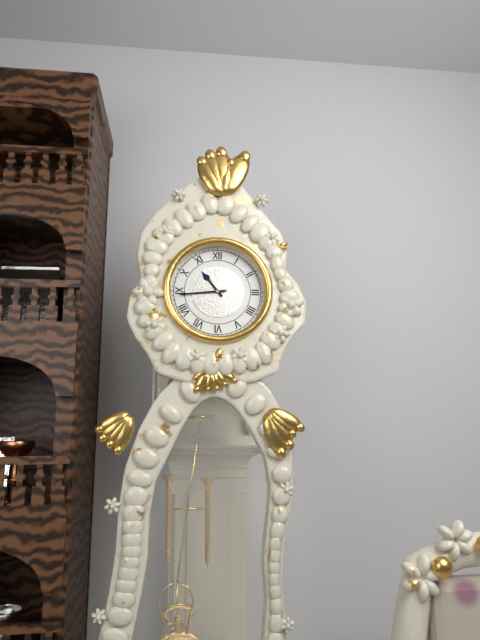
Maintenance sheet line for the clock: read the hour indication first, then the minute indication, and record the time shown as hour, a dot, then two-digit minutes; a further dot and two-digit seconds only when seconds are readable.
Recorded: 10.44
